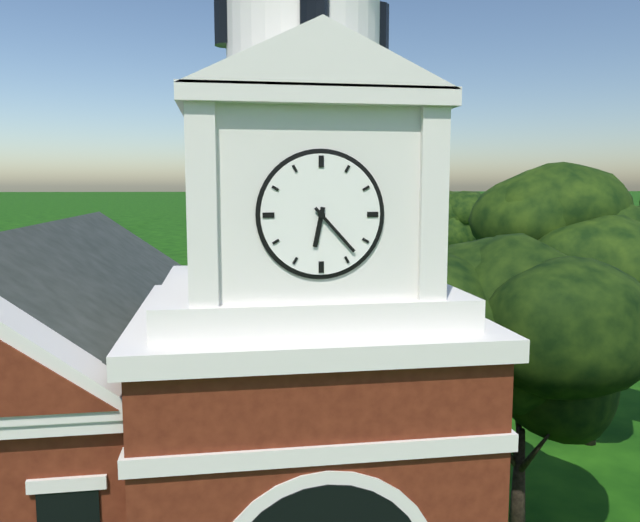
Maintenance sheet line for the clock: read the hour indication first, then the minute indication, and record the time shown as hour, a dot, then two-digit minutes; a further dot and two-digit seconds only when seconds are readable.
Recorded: 6.23
